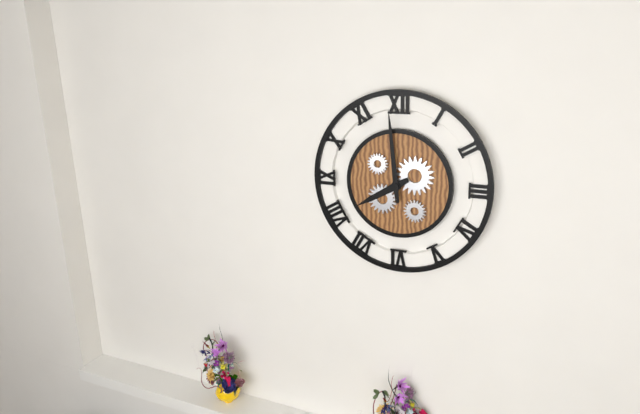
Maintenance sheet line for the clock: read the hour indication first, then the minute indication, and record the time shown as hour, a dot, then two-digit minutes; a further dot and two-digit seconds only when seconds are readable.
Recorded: 7.59
